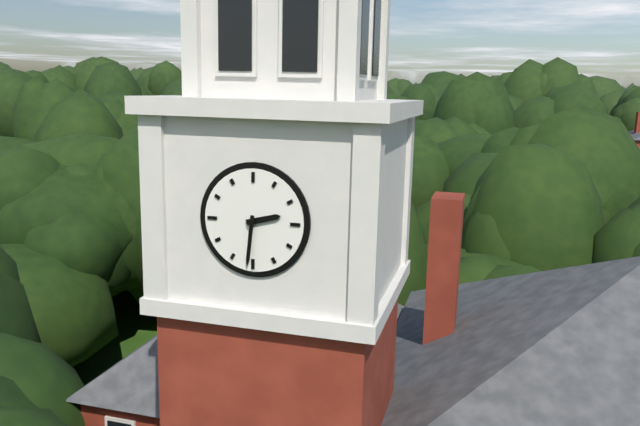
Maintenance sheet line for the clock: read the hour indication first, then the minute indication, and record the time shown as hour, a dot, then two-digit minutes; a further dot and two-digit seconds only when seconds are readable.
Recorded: 2.31
